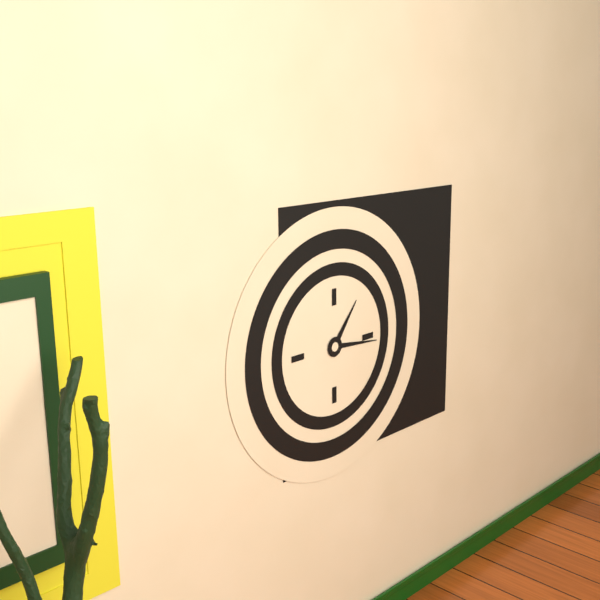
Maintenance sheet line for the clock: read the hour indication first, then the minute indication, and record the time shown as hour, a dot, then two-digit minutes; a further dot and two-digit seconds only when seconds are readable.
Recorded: 1.16
